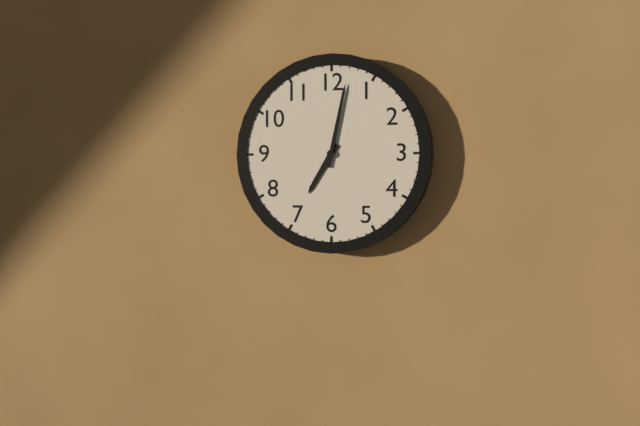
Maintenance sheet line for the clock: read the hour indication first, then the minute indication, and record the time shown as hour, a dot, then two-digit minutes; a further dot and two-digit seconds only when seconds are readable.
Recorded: 7.02
